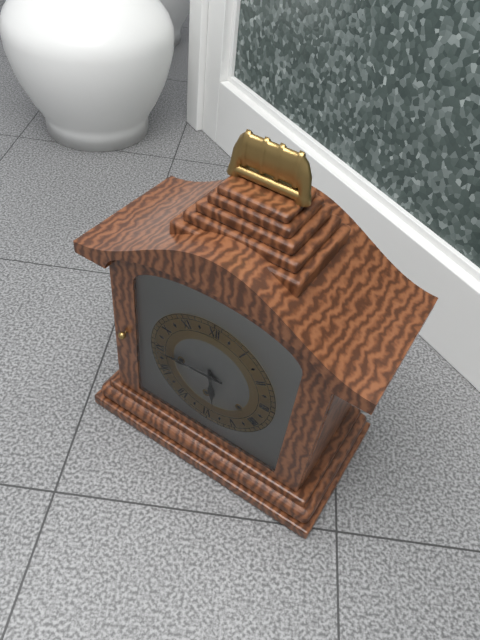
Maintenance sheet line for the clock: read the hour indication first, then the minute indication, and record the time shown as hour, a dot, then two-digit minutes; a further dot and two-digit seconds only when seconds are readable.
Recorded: 5.44
